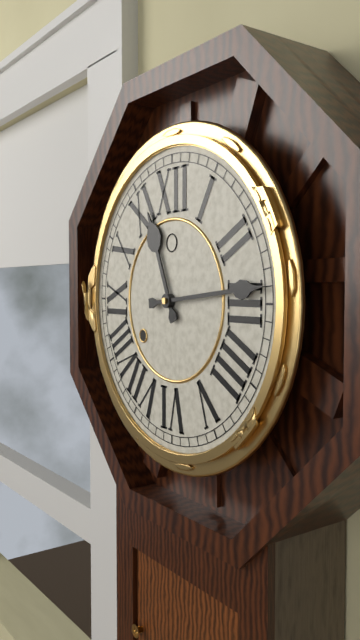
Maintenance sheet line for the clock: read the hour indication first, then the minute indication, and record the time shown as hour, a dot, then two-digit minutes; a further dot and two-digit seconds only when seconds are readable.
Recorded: 11.14
